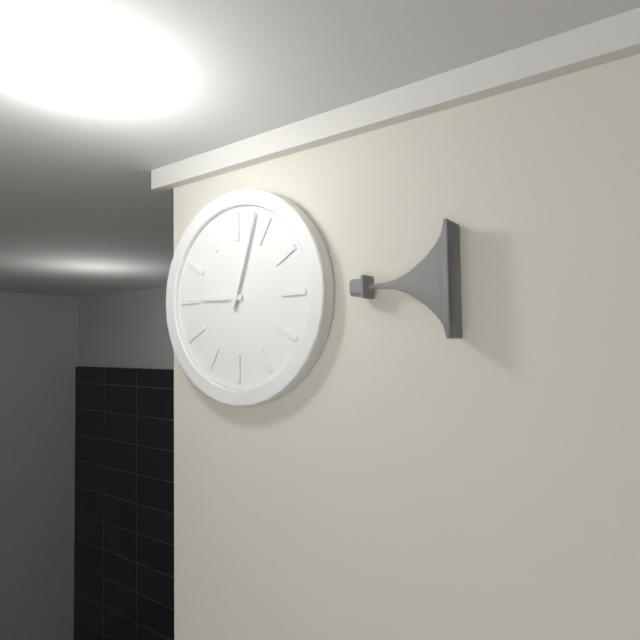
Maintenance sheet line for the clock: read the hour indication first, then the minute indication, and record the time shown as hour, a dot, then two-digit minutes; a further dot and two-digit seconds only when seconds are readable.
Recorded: 9.03
